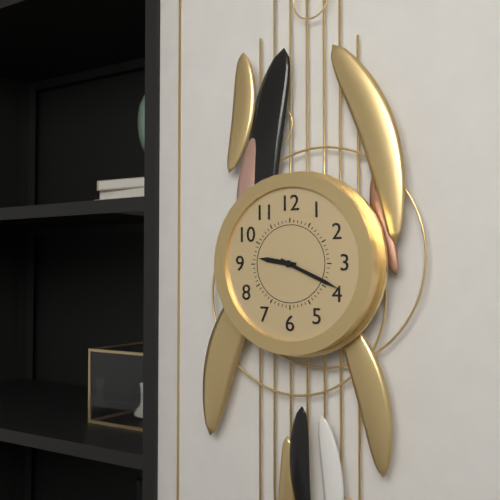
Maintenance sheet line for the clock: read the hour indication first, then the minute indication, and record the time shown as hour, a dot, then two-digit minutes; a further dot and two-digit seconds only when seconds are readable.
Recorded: 9.19
